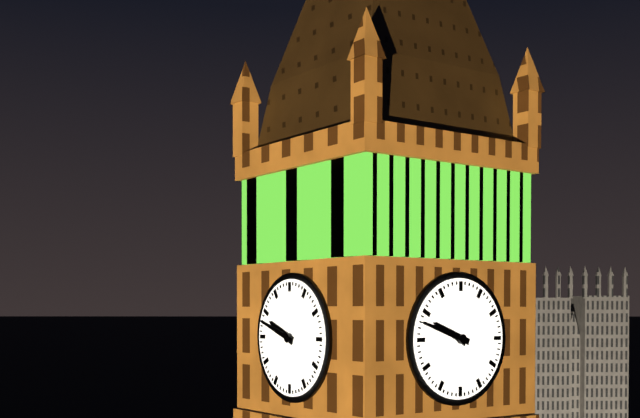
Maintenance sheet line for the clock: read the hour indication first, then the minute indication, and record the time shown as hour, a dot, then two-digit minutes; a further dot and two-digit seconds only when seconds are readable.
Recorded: 9.48
